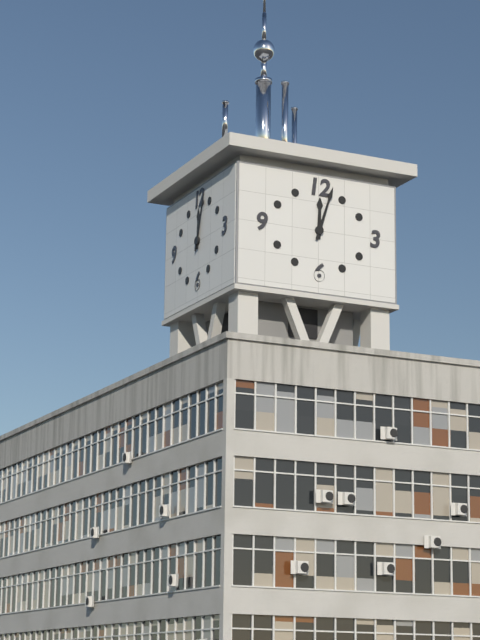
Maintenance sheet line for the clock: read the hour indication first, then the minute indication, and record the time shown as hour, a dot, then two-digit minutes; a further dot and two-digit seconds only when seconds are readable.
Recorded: 12.03
